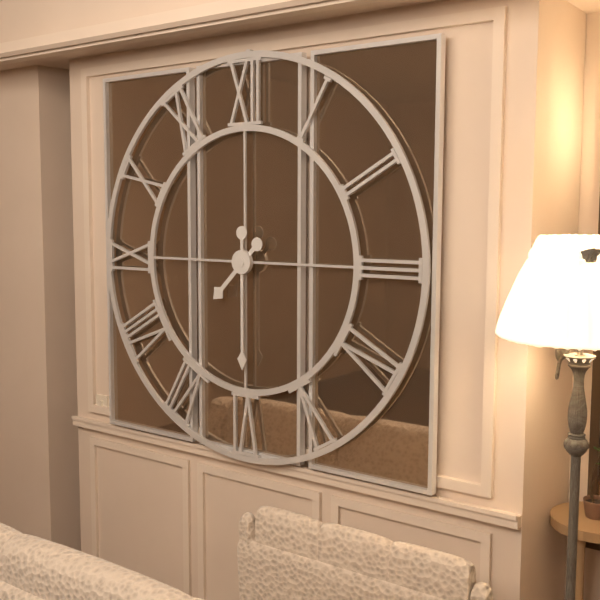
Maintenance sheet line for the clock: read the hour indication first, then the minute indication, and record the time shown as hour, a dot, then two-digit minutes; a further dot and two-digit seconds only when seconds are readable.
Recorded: 7.30
